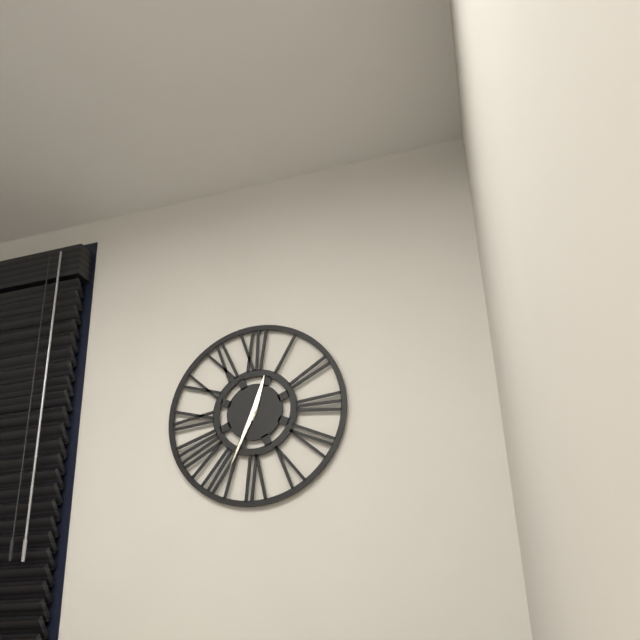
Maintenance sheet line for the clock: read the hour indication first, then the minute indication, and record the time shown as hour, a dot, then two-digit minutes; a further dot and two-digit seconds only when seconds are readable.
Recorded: 12.34
